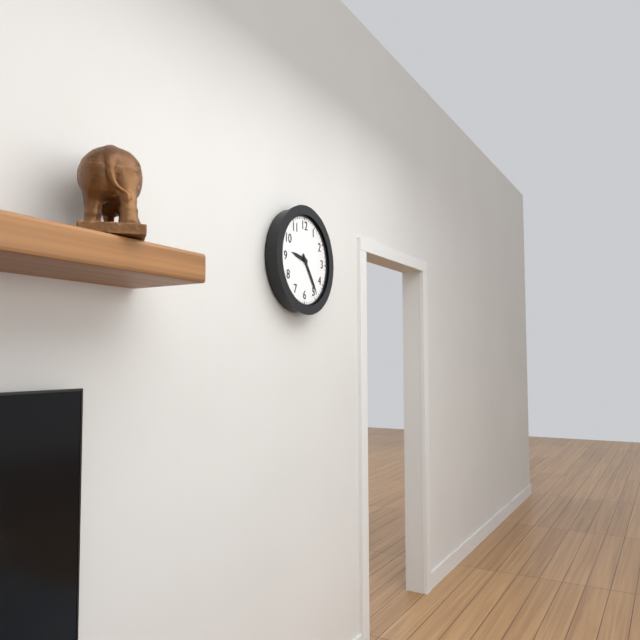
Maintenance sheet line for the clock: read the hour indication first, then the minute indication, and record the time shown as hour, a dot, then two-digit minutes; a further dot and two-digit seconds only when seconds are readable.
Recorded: 9.24
